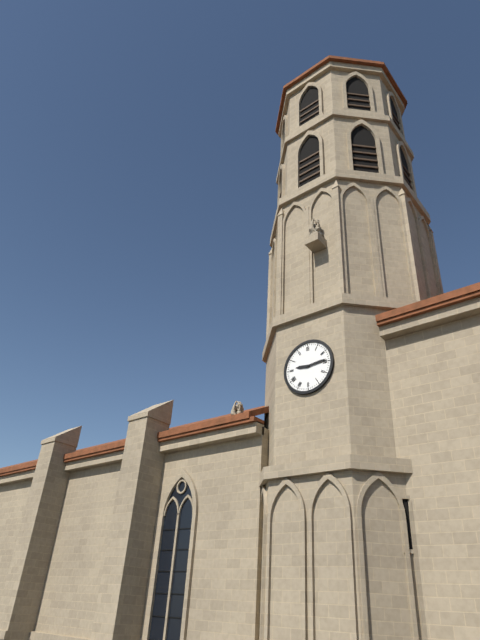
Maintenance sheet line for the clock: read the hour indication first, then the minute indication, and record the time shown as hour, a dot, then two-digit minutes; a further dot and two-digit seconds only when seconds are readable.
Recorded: 9.14
